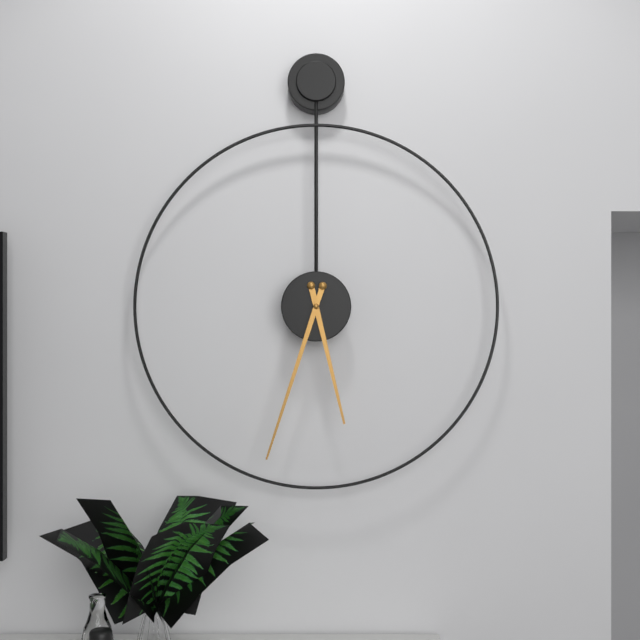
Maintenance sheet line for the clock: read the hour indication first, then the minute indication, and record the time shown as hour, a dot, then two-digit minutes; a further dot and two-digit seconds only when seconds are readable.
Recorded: 5.33
